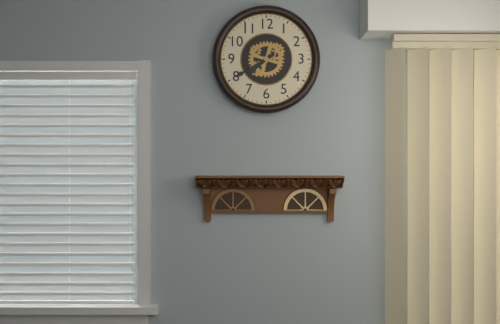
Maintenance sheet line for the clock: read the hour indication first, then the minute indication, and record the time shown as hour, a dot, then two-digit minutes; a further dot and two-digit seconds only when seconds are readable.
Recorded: 7.40
